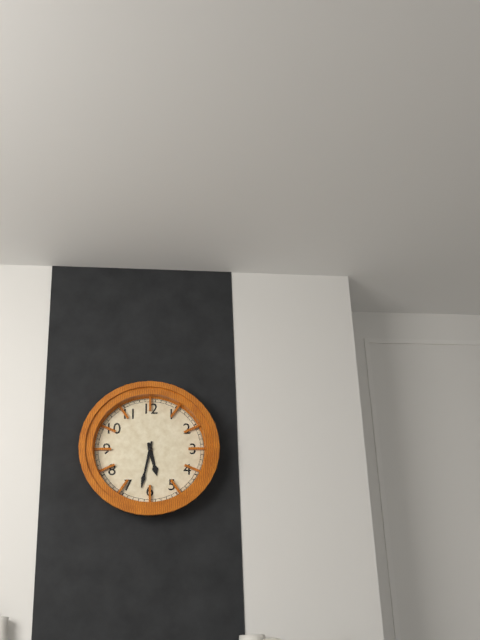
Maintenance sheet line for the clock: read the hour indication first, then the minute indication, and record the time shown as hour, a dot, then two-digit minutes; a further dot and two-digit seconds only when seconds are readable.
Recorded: 5.32
